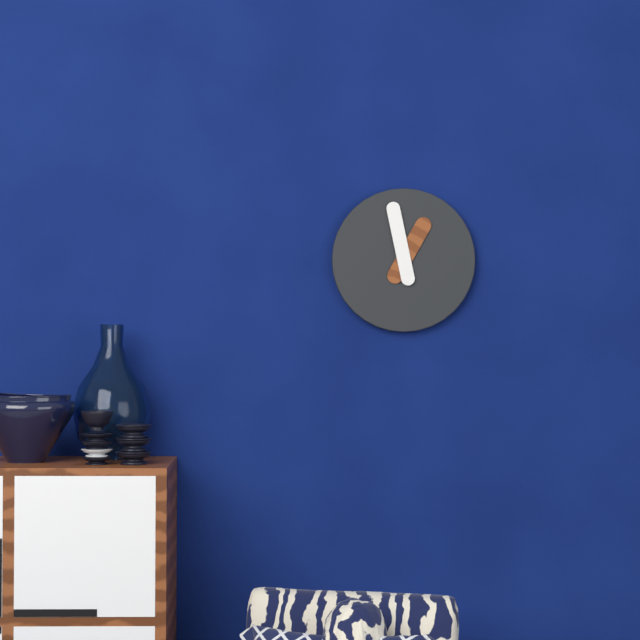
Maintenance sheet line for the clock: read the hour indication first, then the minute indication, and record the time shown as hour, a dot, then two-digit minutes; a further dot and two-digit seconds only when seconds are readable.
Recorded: 12.58
